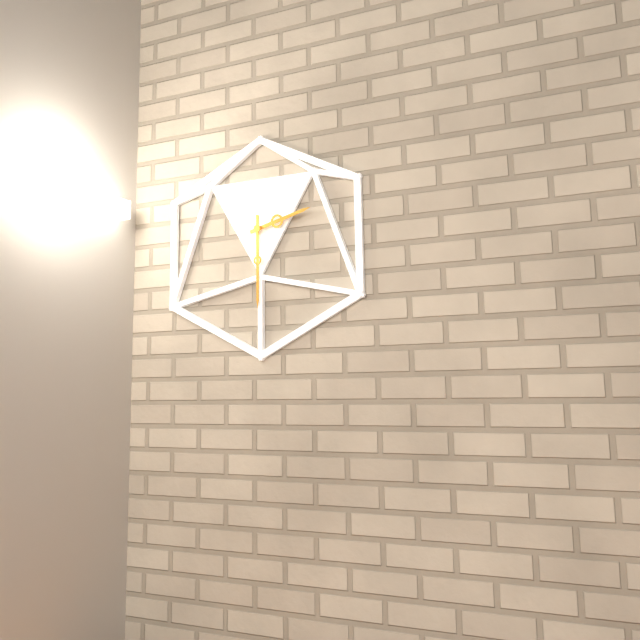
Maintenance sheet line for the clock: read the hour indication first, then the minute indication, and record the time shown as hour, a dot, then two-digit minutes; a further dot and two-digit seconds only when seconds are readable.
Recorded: 2.30
